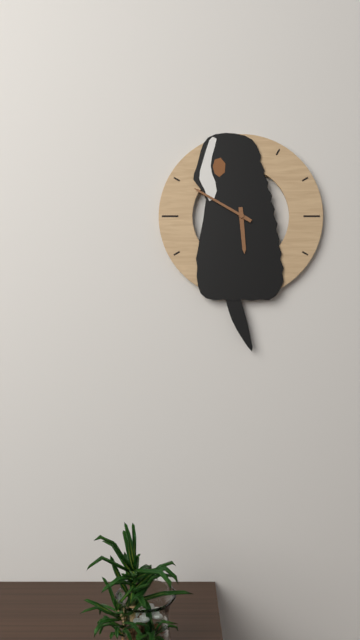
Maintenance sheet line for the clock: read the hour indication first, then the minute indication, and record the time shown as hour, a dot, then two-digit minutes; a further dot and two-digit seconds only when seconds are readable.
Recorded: 5.50
